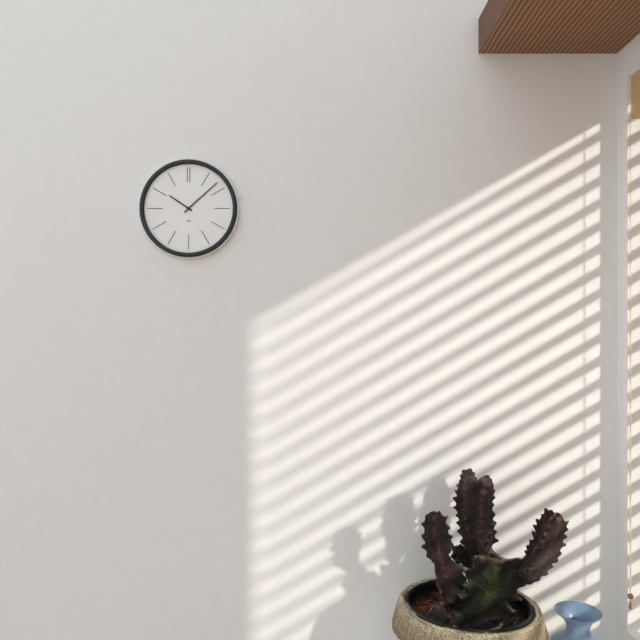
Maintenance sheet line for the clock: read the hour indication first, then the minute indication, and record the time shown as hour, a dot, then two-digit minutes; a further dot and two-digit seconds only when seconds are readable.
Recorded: 10.08
